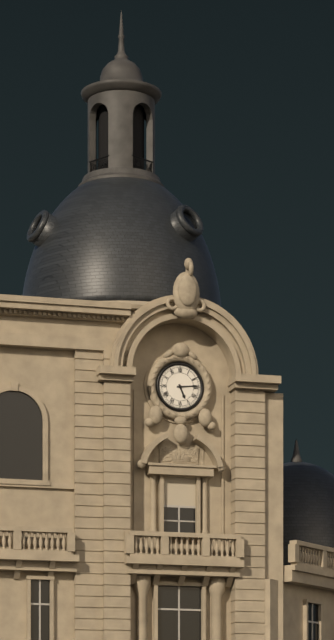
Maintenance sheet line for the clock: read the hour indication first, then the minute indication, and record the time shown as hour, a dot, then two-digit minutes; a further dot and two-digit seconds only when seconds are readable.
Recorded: 5.14
